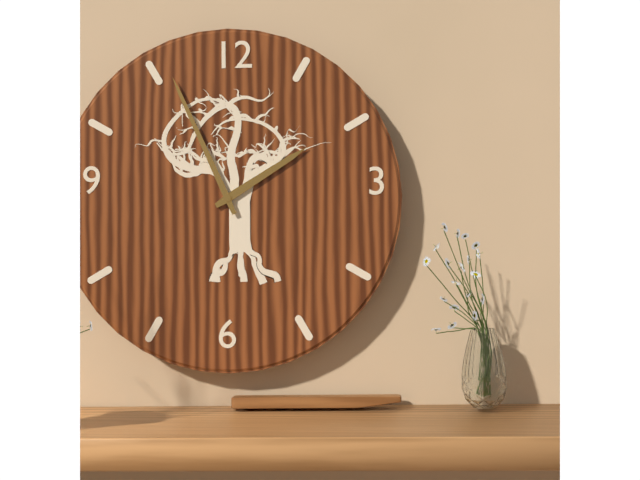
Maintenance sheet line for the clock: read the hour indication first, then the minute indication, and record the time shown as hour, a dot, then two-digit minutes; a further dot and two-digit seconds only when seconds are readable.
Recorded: 1.56
